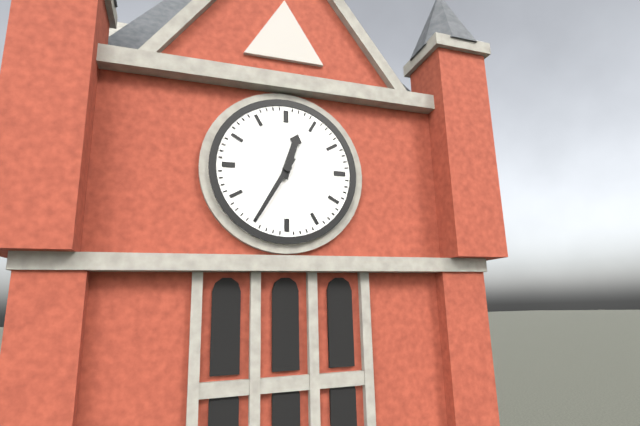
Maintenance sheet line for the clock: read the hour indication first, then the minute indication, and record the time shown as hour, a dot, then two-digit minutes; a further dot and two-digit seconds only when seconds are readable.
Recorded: 12.35
